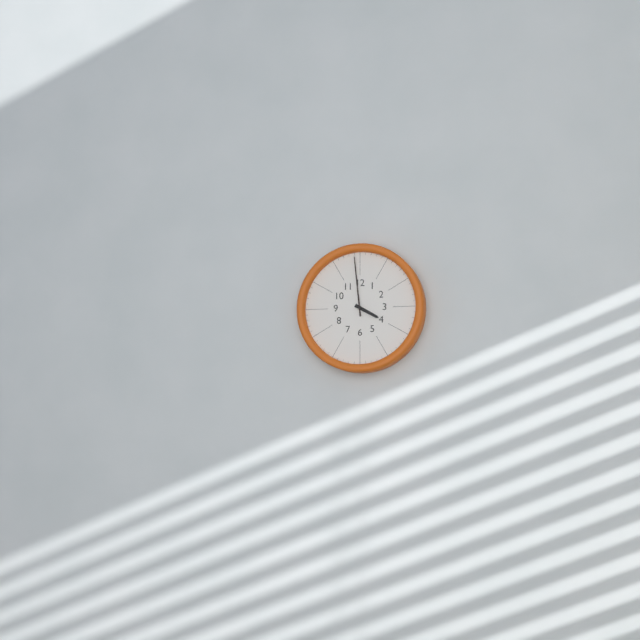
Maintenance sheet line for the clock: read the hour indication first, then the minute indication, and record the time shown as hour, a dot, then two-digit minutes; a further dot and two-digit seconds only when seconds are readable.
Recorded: 3.59
